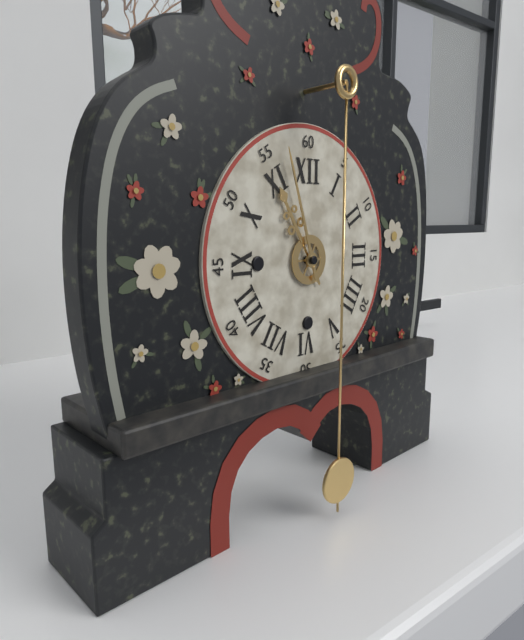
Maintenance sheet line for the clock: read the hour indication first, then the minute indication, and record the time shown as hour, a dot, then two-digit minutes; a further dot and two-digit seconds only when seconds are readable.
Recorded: 10.57
